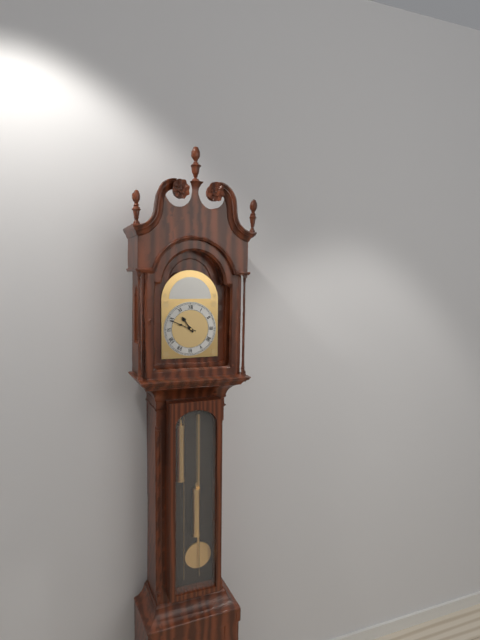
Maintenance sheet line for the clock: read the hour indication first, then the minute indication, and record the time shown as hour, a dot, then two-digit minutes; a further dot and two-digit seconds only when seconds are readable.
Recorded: 10.49
